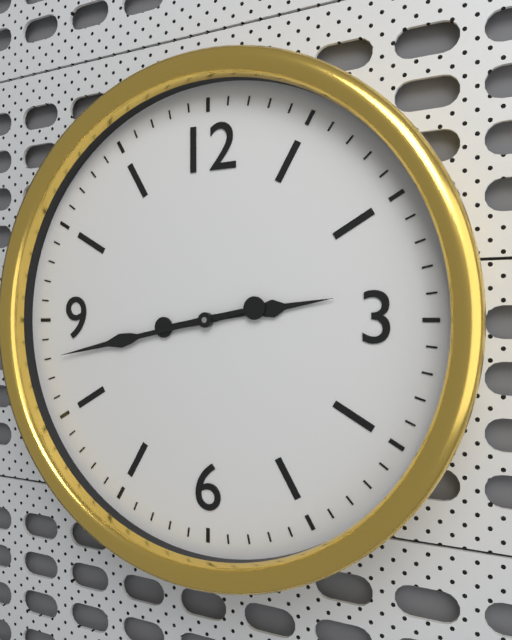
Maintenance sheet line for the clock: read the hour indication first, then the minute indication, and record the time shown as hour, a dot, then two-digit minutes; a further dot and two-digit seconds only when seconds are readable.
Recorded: 2.43
